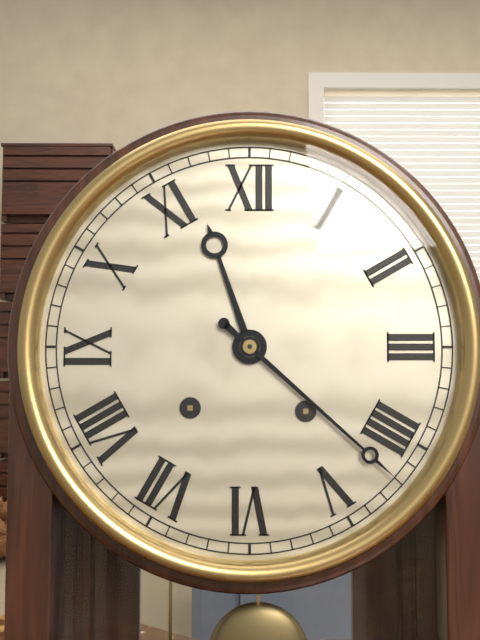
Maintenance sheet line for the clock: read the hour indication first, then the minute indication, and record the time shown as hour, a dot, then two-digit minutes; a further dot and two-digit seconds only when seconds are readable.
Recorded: 11.22
